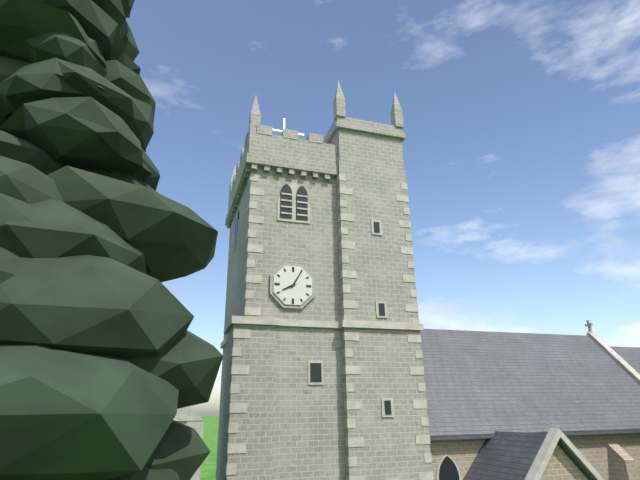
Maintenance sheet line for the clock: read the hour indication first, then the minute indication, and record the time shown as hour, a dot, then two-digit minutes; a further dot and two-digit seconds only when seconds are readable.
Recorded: 8.05
